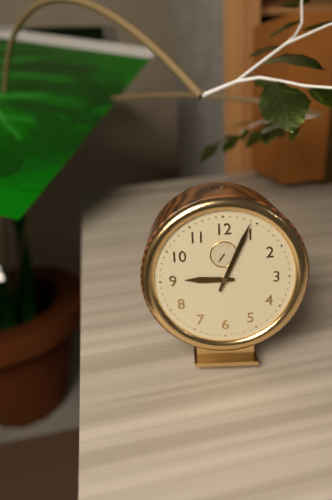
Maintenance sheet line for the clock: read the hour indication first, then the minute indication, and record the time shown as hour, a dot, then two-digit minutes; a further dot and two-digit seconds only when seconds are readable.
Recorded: 9.04
